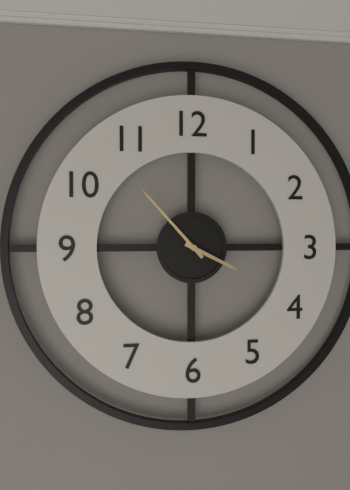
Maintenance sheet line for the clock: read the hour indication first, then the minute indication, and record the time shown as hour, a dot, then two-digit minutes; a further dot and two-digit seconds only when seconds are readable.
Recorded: 3.53
